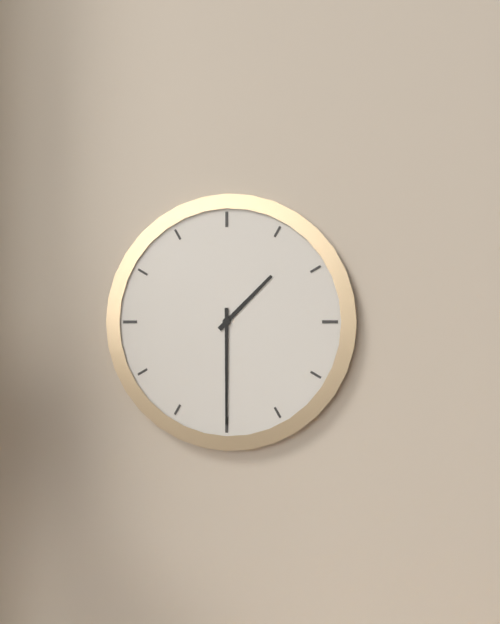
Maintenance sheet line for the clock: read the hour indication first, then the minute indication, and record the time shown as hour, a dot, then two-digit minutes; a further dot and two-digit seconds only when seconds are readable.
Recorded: 1.30
